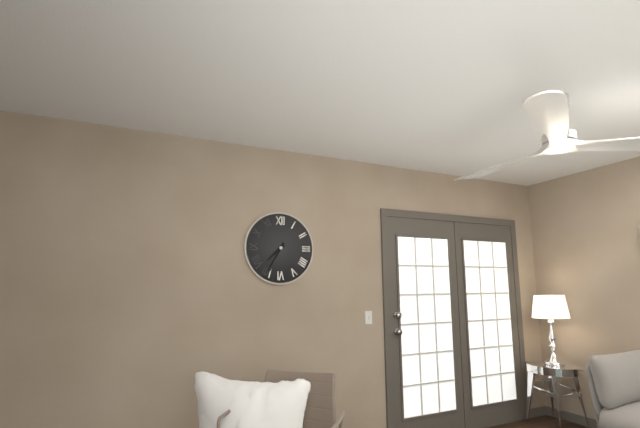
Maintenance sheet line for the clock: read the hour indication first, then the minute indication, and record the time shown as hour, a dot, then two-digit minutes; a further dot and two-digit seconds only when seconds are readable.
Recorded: 7.35
